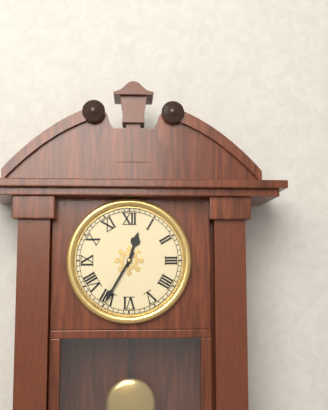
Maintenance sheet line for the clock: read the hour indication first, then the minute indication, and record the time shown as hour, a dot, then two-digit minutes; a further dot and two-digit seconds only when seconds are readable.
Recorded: 12.35
